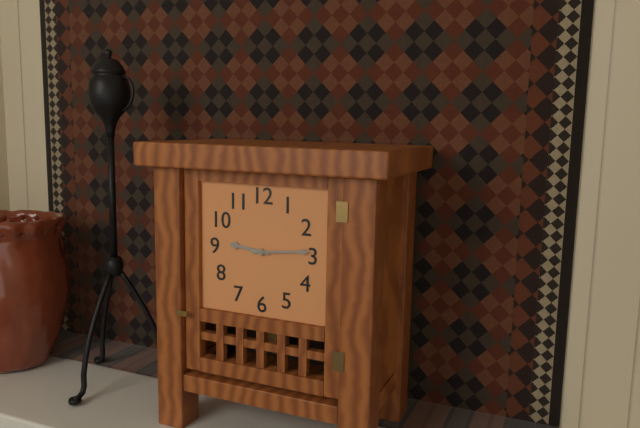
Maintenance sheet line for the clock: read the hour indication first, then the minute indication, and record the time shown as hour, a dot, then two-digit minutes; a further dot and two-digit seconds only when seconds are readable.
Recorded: 9.14
